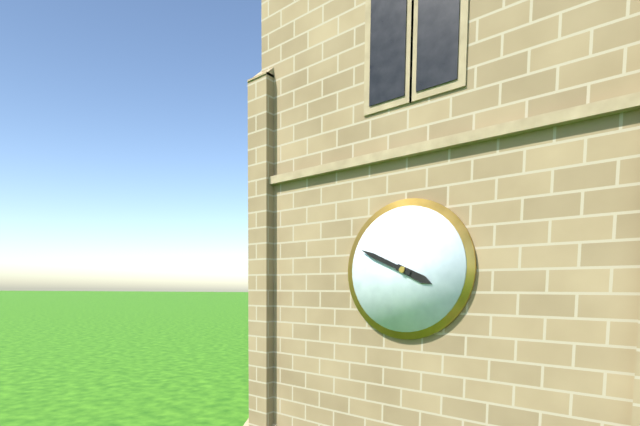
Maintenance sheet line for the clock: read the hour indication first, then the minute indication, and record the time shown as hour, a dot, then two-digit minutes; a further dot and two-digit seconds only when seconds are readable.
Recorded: 3.49
